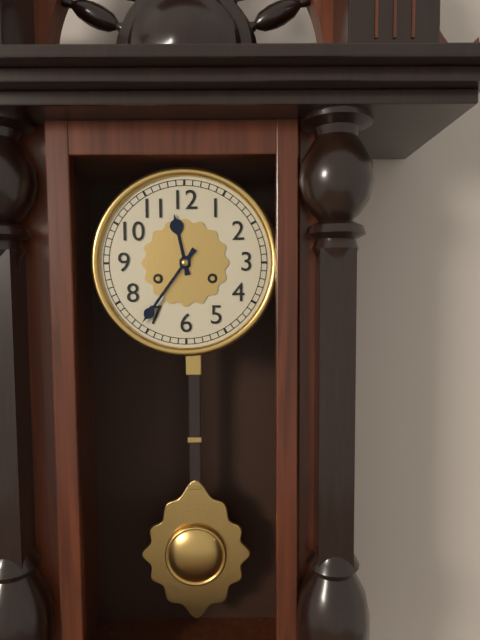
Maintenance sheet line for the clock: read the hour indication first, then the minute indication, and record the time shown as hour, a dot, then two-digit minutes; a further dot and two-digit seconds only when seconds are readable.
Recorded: 11.36
